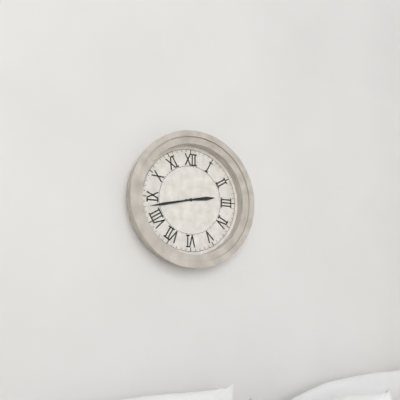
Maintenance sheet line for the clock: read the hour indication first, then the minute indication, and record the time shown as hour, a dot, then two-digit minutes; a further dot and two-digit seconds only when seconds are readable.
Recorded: 2.43
